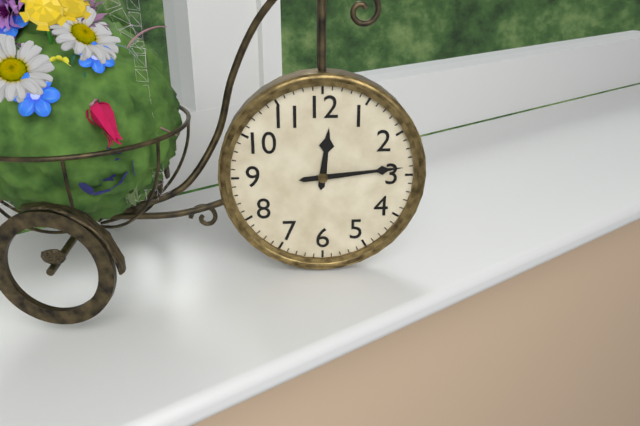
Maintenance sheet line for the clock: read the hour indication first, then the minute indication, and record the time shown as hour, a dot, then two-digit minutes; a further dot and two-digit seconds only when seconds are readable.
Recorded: 12.14
